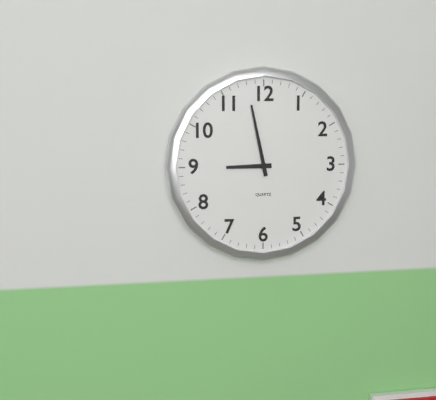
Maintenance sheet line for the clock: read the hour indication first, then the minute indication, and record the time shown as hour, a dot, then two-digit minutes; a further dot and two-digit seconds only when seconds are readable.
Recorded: 8.58
